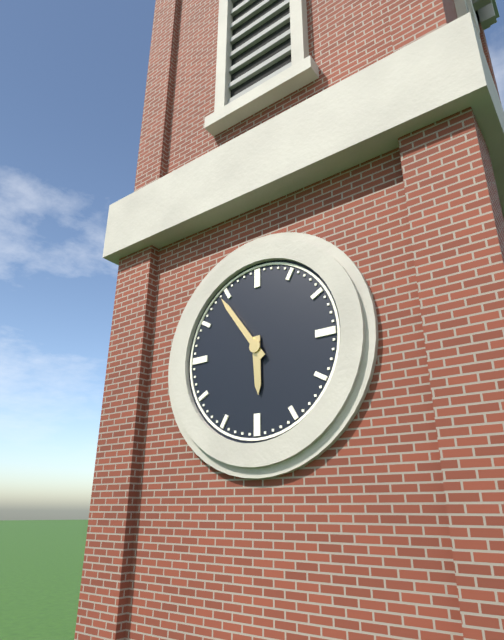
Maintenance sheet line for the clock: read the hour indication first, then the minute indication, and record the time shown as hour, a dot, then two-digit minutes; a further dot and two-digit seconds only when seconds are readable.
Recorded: 5.54
